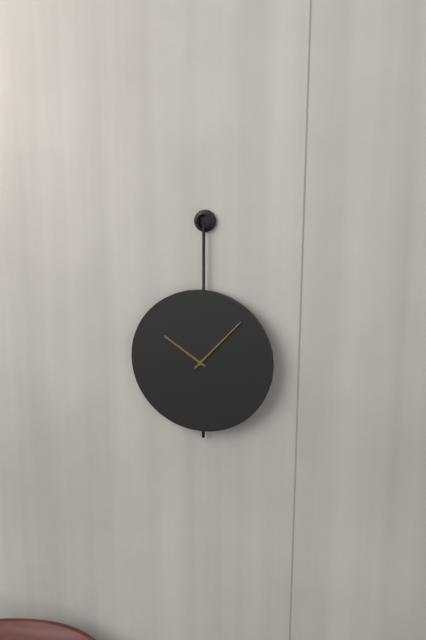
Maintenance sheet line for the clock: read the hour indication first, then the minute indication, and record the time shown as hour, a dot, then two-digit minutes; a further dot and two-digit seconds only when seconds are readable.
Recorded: 10.07
